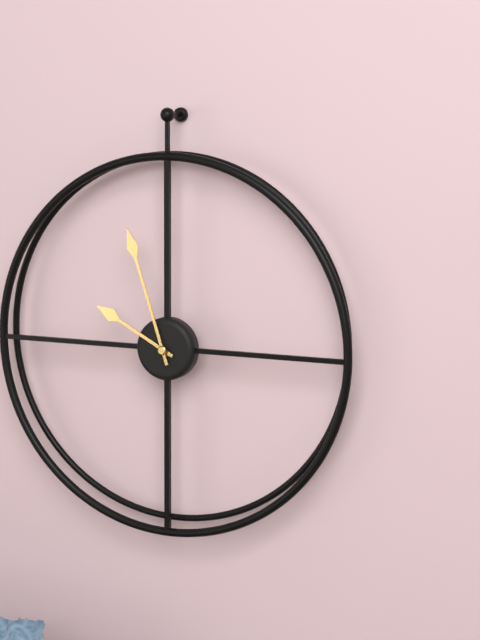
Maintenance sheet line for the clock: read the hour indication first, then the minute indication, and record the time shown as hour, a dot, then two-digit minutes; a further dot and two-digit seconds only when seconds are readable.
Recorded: 9.57
